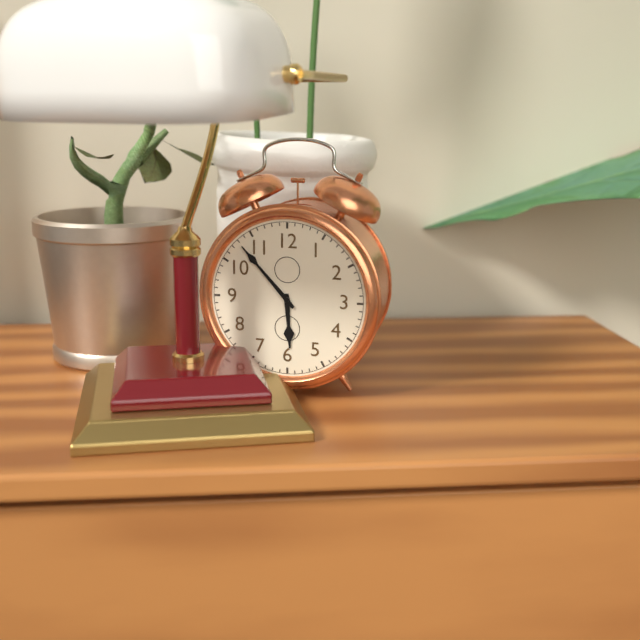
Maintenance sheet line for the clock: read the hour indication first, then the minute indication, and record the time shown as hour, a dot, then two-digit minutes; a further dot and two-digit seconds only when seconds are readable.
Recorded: 5.53
